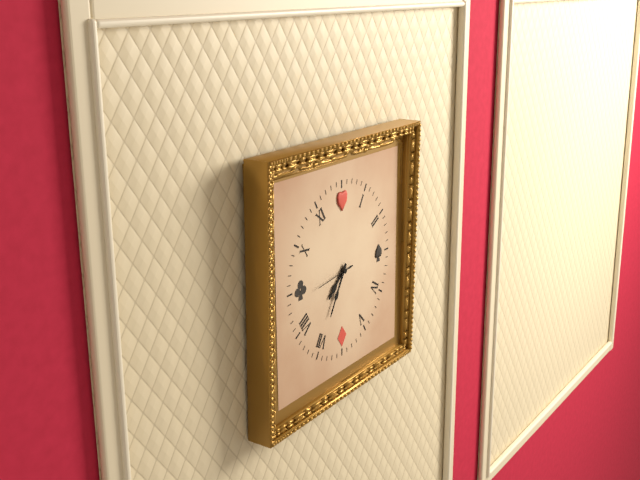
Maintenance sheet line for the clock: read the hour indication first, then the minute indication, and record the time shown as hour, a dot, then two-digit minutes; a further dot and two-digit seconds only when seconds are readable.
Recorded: 7.35
